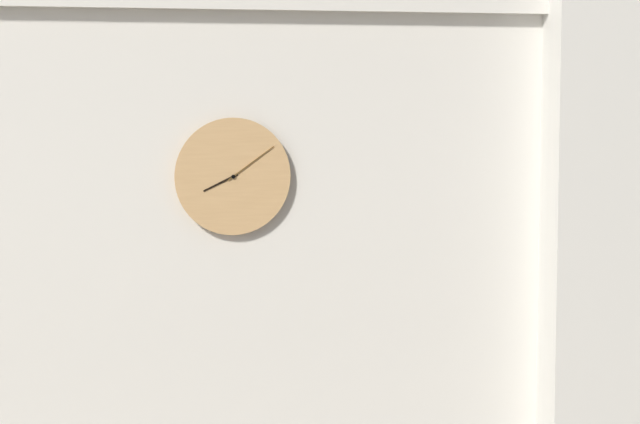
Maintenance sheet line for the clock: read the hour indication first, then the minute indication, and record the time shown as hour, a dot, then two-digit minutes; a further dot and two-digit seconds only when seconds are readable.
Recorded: 8.09
